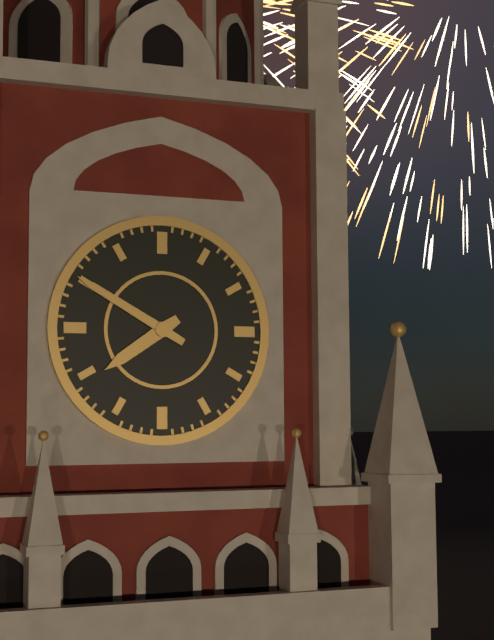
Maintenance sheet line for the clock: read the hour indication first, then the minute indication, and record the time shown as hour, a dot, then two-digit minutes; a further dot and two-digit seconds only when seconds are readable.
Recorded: 7.50
